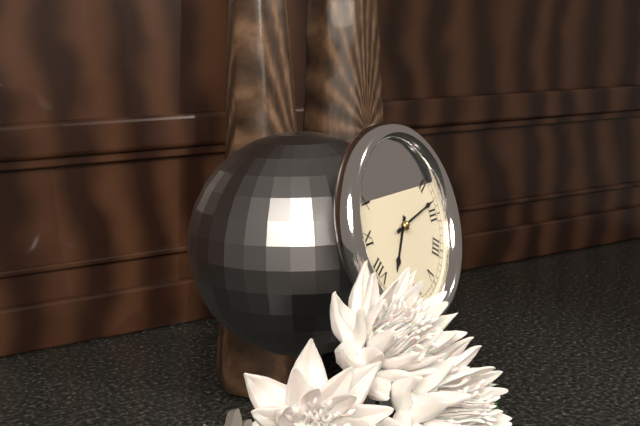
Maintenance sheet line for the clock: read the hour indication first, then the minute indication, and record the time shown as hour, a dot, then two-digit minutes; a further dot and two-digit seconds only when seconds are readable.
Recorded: 7.13
